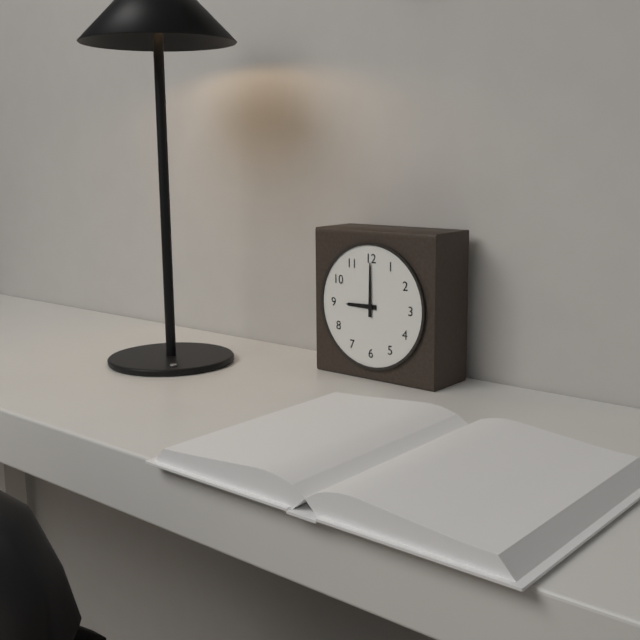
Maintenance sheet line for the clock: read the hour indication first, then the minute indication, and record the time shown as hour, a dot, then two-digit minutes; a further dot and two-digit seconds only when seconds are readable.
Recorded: 9.00
